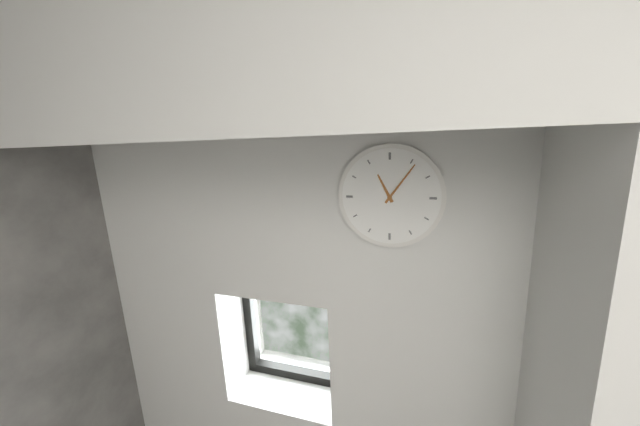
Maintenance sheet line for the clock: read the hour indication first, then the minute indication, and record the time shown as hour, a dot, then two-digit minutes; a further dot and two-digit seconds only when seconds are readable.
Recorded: 11.06
